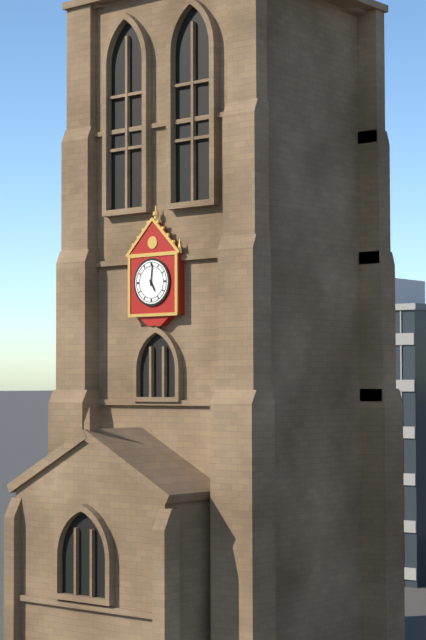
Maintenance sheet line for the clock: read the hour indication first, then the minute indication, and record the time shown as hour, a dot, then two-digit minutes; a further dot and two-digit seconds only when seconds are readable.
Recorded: 5.01
